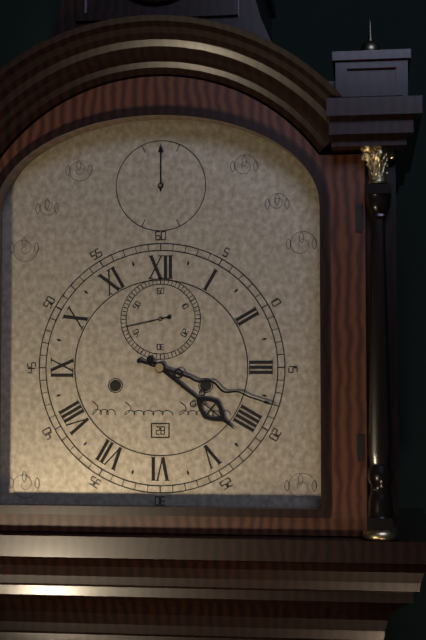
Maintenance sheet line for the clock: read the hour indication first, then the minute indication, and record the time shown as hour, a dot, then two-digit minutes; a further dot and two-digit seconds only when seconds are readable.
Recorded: 4.18
